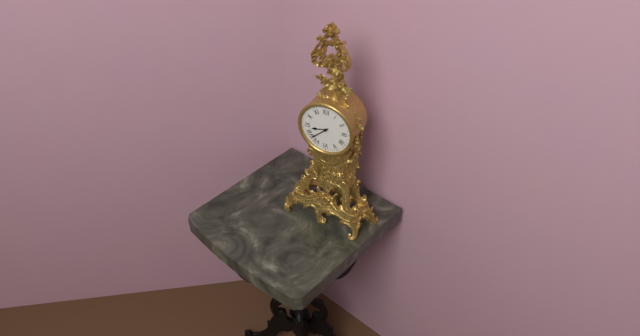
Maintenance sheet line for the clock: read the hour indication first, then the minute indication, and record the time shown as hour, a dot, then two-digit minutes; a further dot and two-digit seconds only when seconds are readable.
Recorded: 8.38
